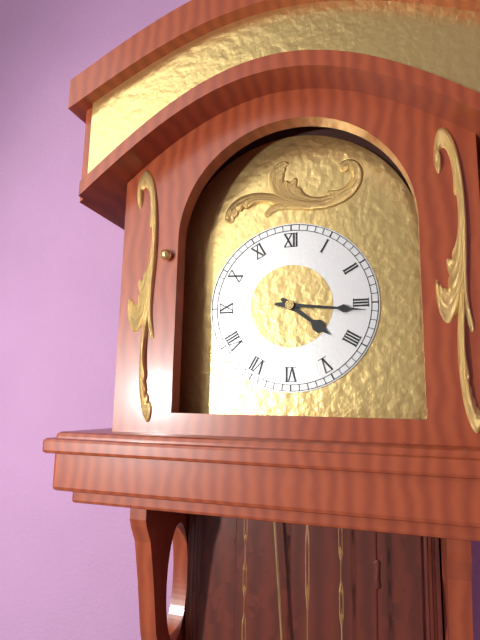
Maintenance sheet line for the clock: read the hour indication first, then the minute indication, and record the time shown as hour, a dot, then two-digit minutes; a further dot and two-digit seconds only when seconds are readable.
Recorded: 4.16
